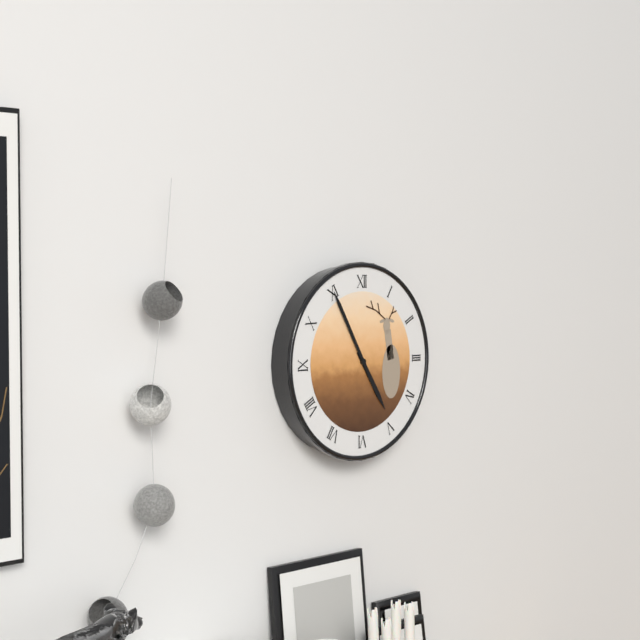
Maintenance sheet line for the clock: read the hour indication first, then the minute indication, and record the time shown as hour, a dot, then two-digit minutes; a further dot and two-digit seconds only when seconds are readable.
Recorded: 4.55
